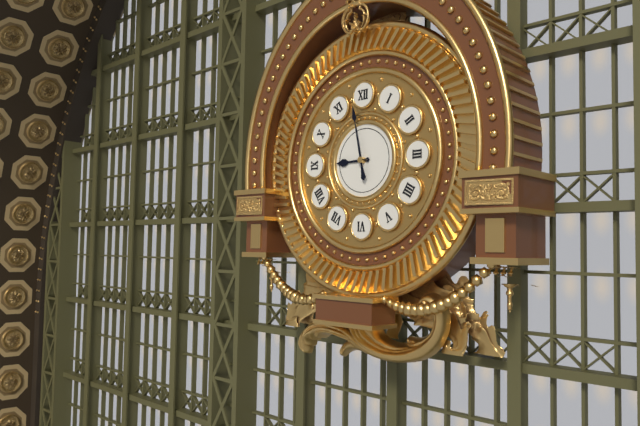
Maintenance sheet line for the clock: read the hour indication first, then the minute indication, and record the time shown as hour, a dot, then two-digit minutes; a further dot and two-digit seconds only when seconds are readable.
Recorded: 8.58
